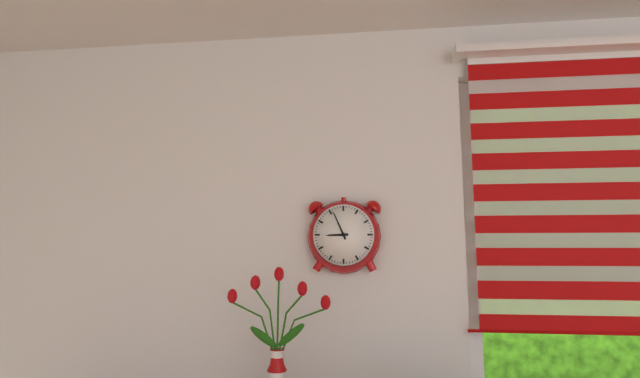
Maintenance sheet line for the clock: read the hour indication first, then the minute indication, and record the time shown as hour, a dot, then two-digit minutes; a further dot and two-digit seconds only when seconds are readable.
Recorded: 8.56
